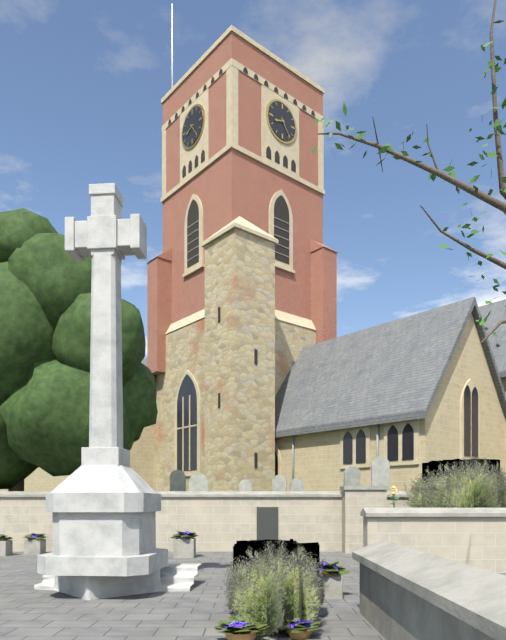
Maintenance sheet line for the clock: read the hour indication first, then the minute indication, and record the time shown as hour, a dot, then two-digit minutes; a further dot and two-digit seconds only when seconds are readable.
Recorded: 8.24
